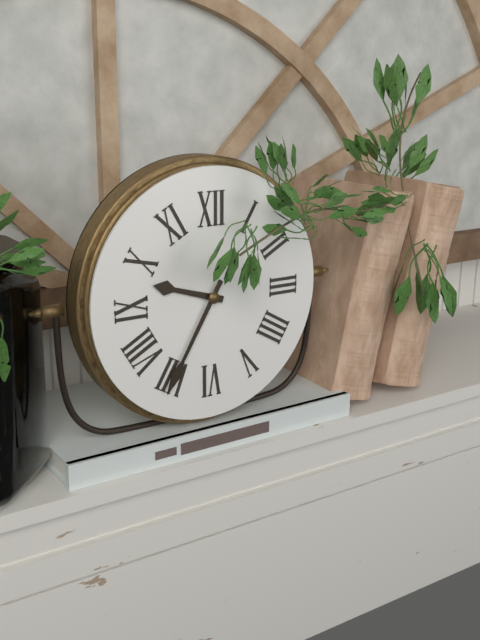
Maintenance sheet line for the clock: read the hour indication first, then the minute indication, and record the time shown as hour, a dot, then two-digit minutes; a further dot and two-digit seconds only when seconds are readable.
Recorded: 9.35
